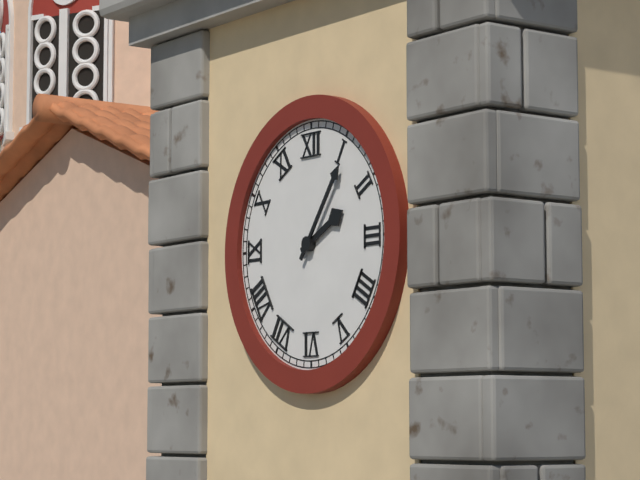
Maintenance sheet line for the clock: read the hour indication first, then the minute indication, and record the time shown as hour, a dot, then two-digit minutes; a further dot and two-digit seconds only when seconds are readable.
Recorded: 2.06
